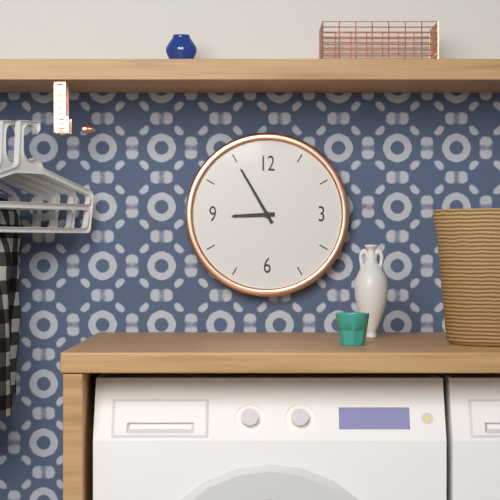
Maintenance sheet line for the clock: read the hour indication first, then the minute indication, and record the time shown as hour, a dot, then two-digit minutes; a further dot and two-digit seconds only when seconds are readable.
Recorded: 8.55
